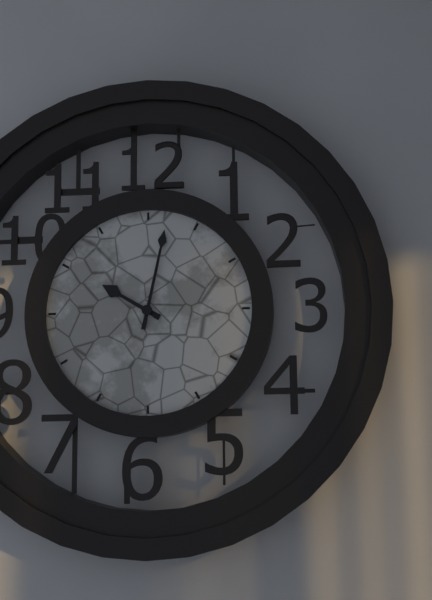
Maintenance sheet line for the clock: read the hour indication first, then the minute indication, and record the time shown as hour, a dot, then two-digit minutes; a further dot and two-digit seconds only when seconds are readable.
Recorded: 10.02
